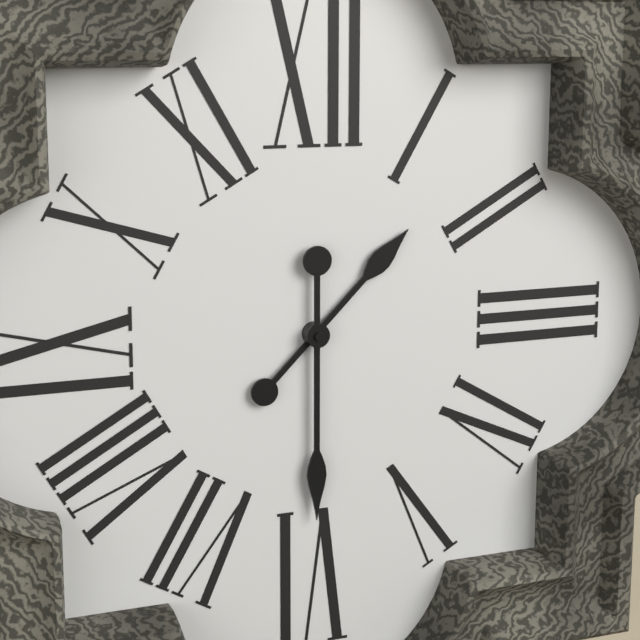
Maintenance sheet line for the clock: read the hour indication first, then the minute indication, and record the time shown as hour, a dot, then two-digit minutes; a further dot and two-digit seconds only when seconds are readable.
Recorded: 1.30
